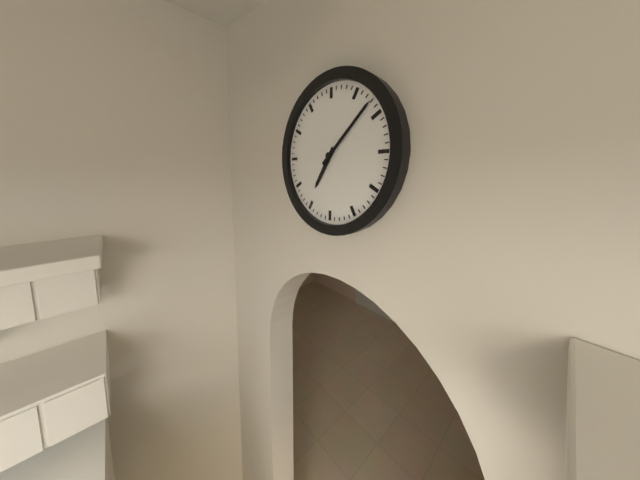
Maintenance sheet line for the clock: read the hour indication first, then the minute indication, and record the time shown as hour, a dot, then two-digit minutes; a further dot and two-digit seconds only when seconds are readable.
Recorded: 7.08
